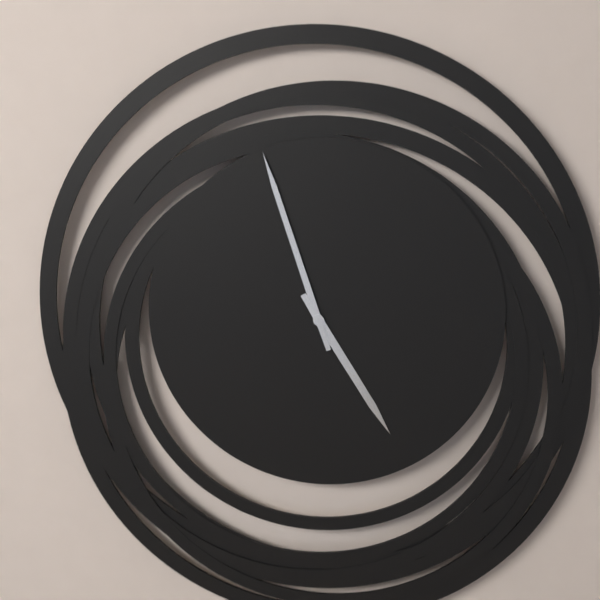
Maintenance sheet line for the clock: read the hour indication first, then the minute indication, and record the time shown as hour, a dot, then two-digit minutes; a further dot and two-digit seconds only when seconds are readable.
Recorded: 4.57
